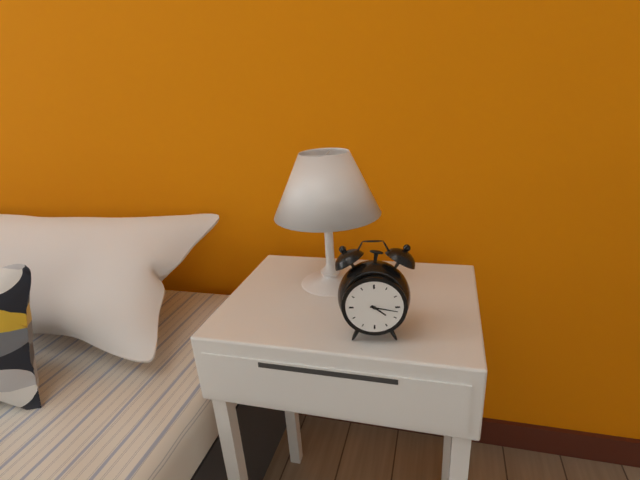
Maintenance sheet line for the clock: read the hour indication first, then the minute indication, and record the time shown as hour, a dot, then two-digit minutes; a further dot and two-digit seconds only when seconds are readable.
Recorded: 4.17
